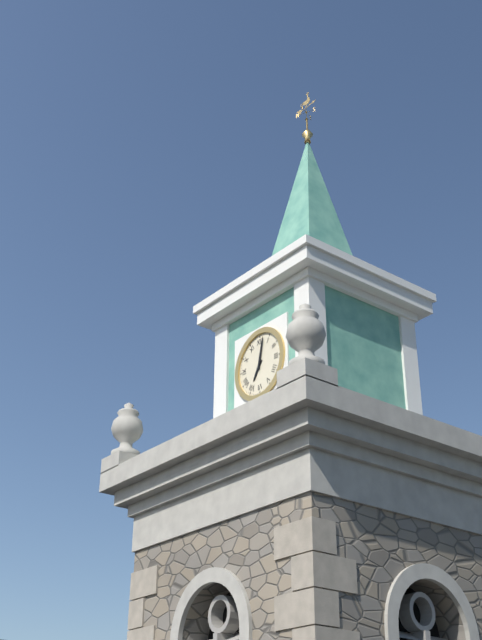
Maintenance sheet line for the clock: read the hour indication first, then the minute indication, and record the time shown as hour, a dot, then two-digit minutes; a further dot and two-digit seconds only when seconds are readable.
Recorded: 7.02
